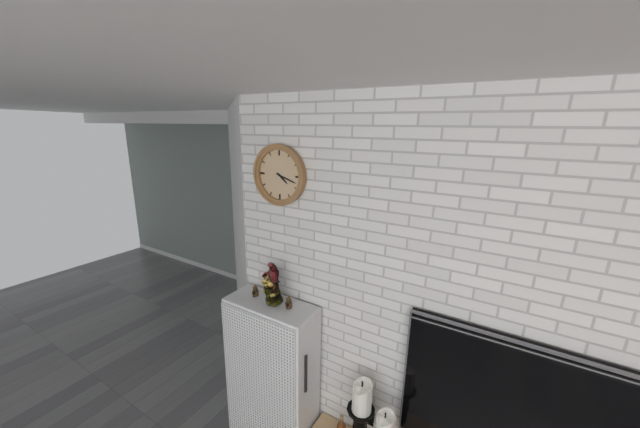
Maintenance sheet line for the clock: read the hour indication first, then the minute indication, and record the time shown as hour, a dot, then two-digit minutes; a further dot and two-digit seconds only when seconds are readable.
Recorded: 4.18
